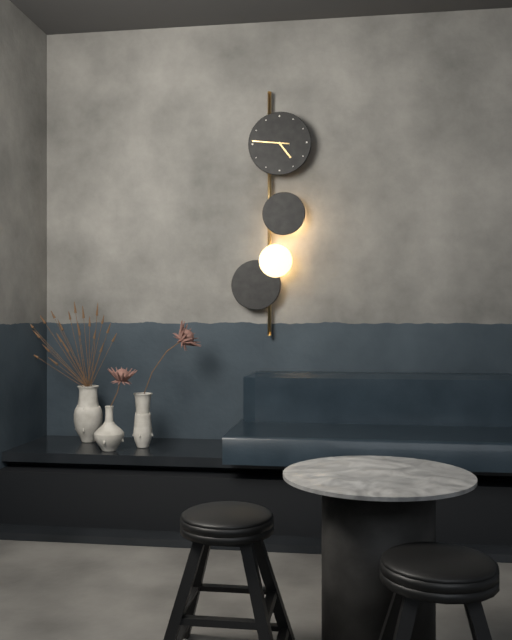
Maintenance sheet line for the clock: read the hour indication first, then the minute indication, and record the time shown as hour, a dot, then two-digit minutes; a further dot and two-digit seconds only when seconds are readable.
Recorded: 4.46
